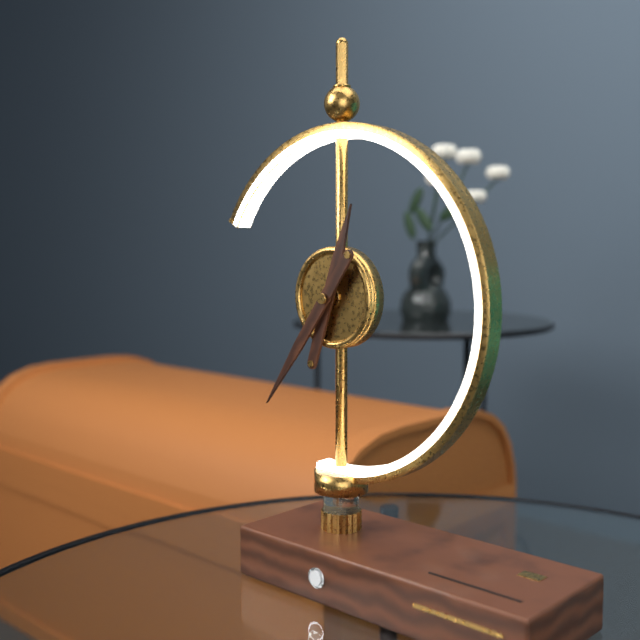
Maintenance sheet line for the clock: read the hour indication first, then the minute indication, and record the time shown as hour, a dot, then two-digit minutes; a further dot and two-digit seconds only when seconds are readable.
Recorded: 12.36
